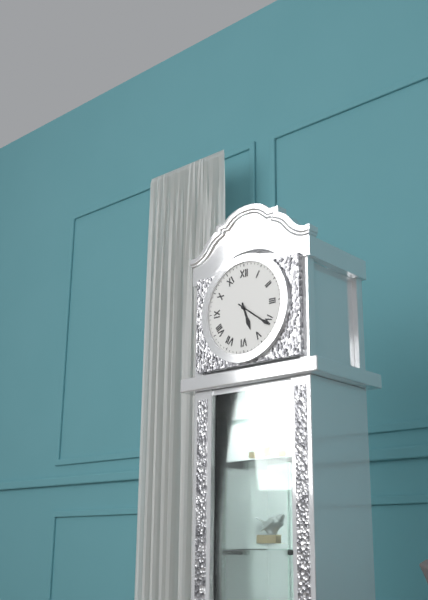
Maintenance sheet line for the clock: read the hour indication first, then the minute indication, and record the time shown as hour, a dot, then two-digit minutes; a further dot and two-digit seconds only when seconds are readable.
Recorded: 5.21
